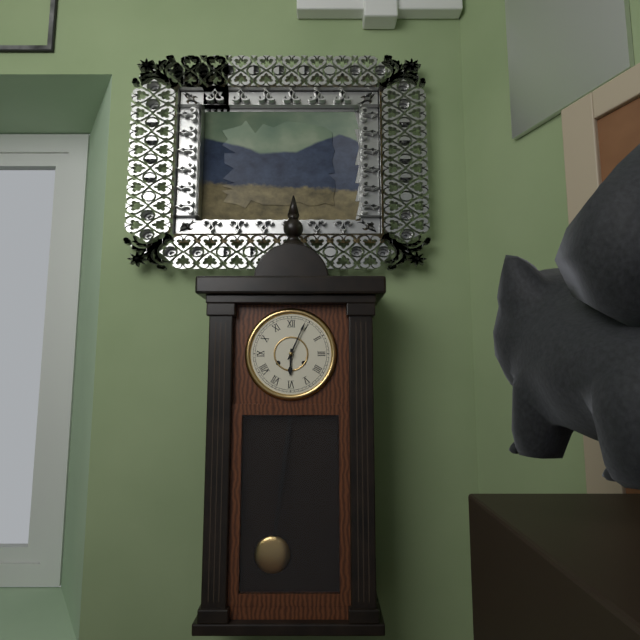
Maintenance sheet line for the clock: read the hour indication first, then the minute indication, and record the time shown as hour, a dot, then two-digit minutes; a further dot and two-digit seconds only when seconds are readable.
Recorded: 6.04
